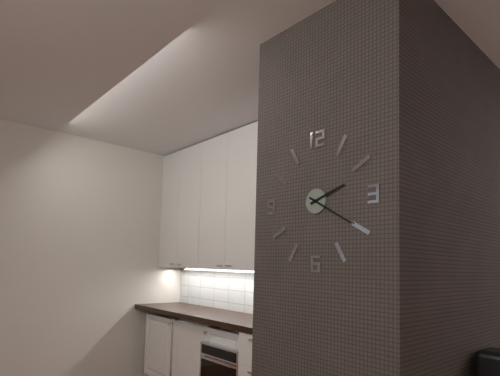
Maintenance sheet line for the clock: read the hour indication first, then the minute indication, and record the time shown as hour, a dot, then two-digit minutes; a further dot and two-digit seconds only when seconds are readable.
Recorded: 2.20
